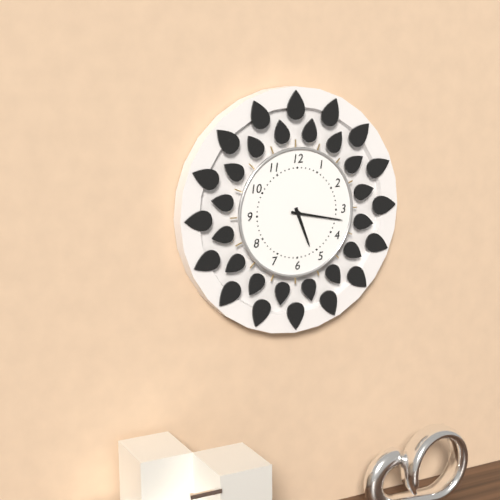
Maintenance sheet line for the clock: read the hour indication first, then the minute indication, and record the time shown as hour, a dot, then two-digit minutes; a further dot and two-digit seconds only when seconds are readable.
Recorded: 5.17
